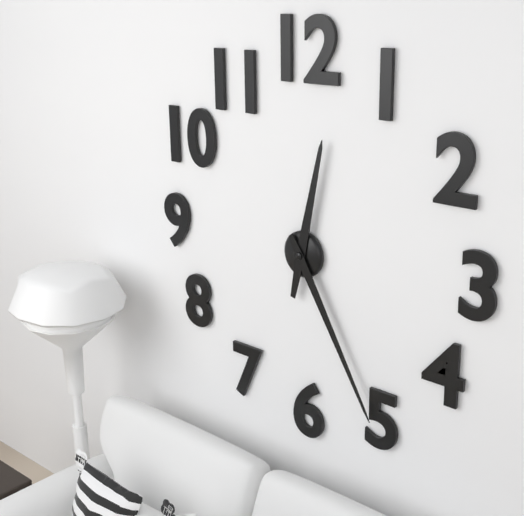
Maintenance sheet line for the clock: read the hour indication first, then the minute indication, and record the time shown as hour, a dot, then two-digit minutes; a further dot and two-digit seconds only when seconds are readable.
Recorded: 12.25
